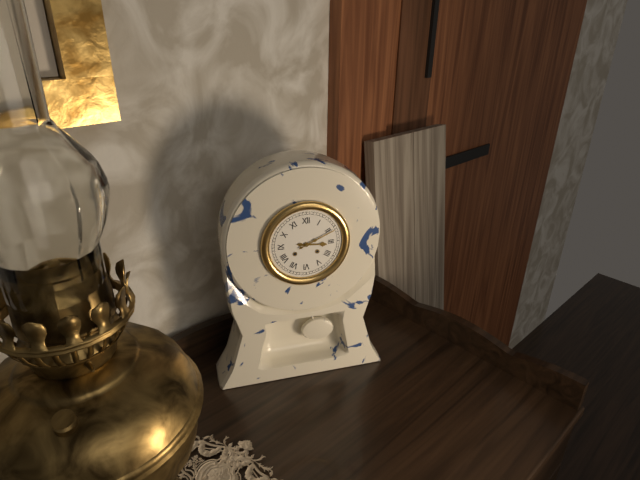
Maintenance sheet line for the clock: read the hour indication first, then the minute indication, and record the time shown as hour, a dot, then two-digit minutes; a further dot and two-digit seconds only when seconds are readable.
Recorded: 3.11
